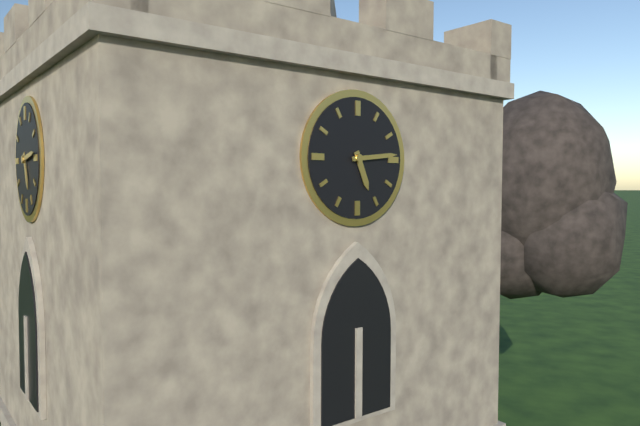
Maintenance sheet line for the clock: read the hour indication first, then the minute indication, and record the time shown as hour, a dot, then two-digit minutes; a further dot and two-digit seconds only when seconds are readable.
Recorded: 5.14
